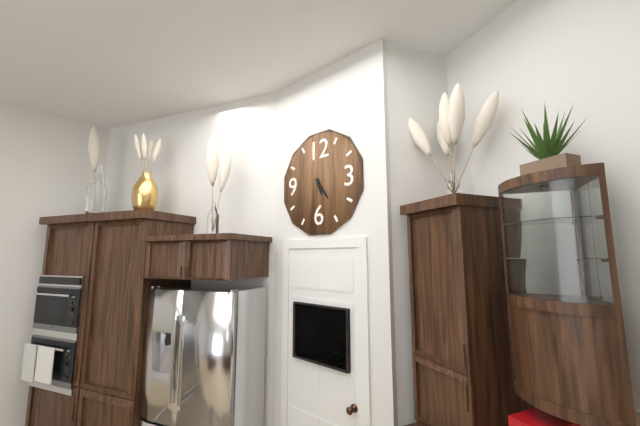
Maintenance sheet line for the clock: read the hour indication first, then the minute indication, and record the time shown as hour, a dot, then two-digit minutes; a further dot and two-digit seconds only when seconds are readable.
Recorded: 5.24
